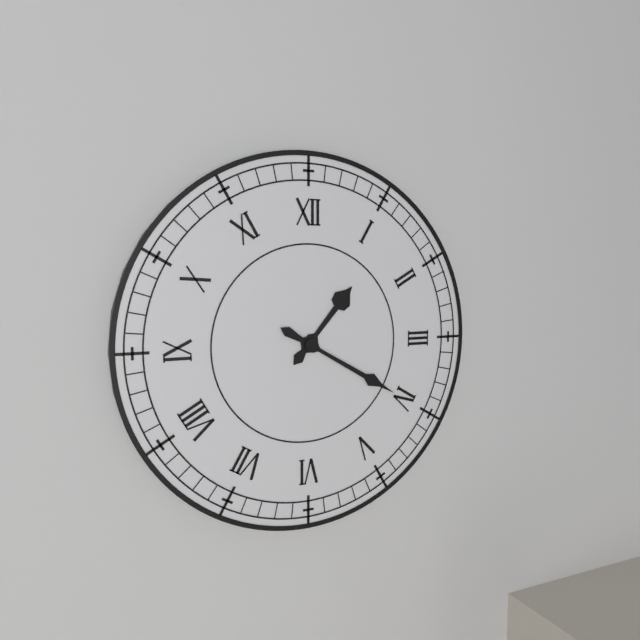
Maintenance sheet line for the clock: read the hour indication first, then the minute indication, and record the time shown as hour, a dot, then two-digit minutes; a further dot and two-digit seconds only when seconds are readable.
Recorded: 1.20
